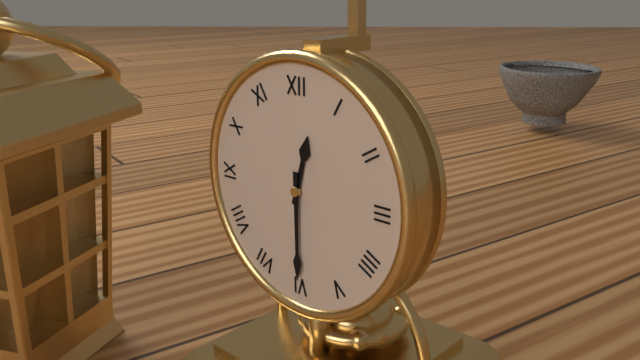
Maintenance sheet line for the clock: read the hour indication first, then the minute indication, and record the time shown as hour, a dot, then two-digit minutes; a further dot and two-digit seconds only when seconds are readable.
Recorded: 12.30
